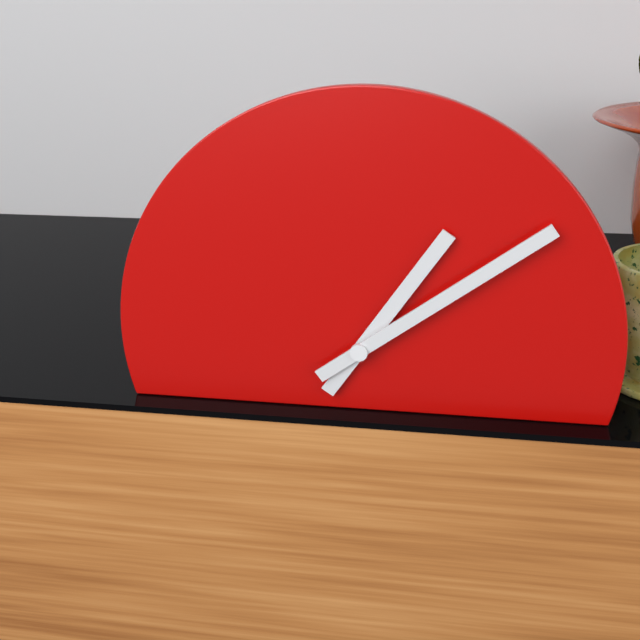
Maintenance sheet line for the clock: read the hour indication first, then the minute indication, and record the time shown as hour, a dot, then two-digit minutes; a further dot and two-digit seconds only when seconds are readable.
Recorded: 1.09
